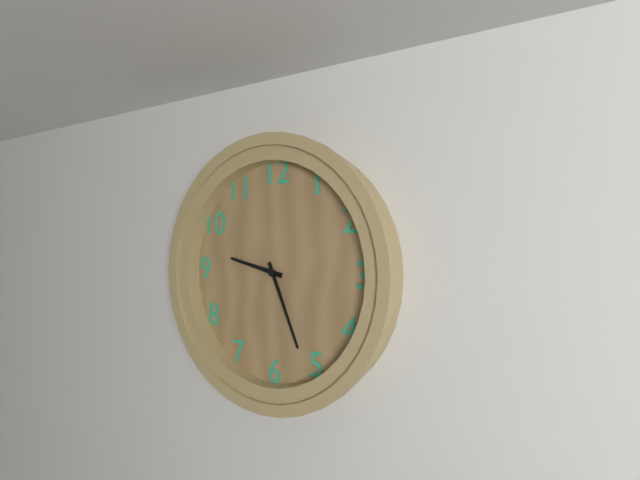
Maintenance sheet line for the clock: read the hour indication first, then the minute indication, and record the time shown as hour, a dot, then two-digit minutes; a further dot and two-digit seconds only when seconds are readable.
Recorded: 9.26
